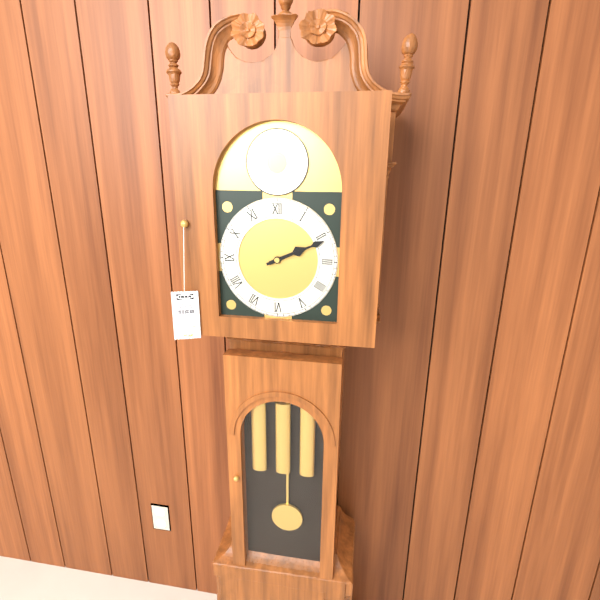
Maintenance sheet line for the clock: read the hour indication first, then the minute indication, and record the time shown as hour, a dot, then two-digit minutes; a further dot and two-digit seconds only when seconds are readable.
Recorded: 2.11
